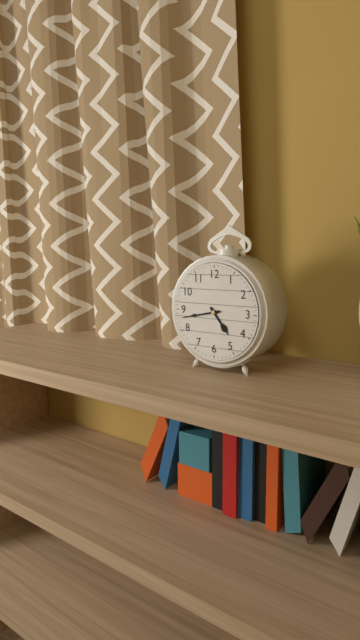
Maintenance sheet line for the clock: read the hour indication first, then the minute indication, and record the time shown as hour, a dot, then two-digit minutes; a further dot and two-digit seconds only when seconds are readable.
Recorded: 4.43
